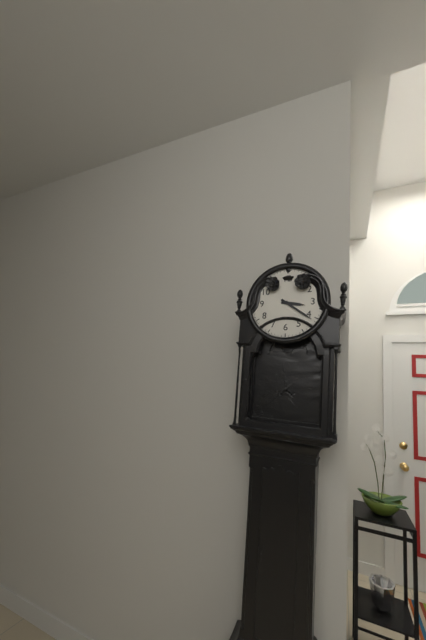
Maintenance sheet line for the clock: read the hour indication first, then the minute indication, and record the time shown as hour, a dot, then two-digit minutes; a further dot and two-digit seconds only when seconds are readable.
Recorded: 3.21
